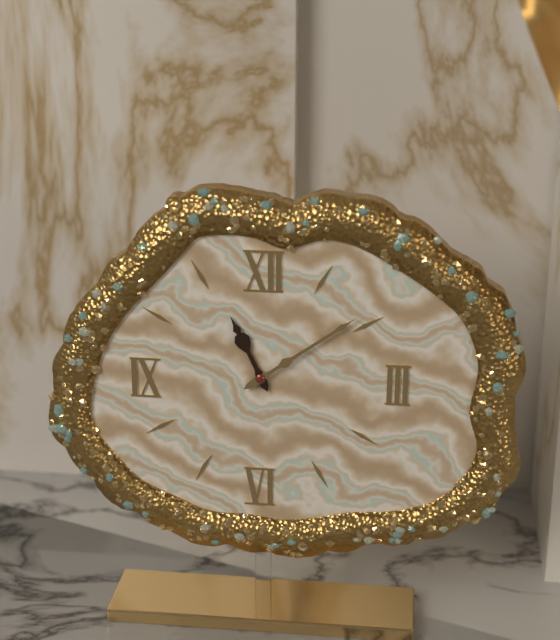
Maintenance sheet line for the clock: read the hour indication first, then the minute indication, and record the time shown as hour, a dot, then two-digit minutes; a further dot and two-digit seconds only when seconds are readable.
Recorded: 11.09
